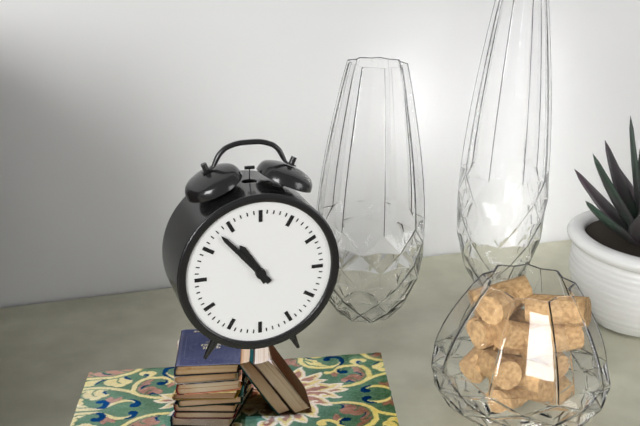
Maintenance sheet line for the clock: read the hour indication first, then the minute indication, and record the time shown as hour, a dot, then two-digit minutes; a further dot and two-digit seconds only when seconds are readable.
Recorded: 10.53
